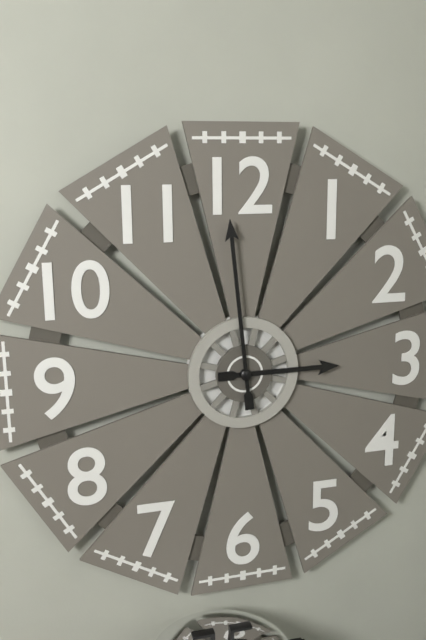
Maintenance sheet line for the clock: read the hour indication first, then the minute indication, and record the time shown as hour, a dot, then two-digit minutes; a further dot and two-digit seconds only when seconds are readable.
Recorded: 2.59
